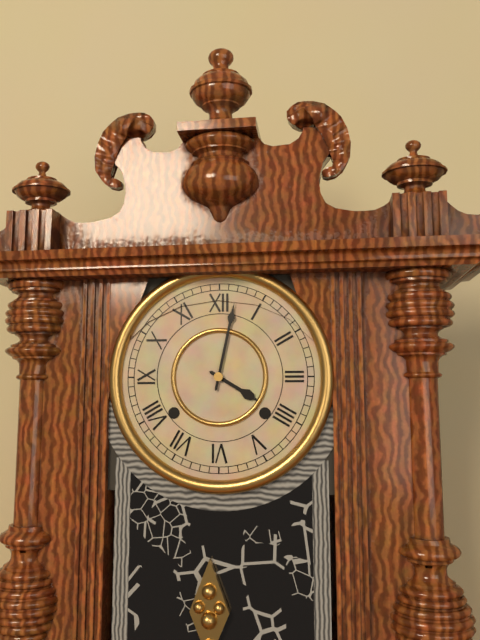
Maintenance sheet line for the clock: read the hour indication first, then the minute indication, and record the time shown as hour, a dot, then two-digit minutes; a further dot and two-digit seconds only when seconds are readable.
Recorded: 4.02
